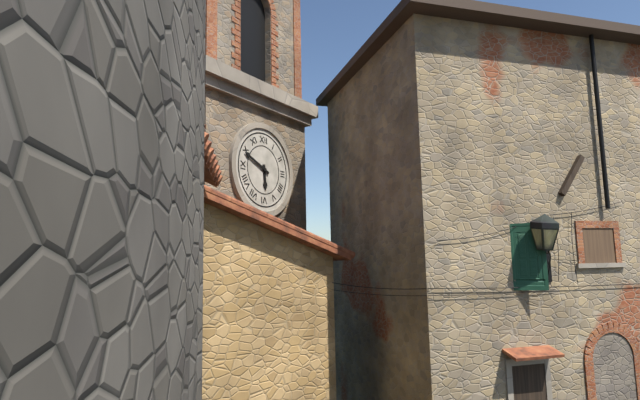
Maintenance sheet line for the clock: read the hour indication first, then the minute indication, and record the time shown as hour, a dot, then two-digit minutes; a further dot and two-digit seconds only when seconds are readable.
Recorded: 5.49
